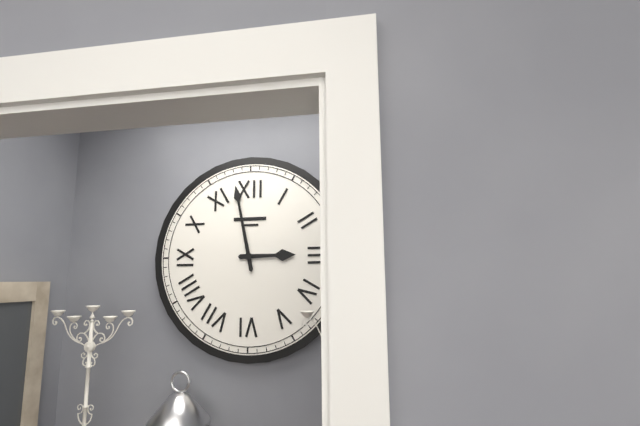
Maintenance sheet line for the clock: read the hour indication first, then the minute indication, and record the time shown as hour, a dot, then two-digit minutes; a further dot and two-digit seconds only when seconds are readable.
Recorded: 2.58
